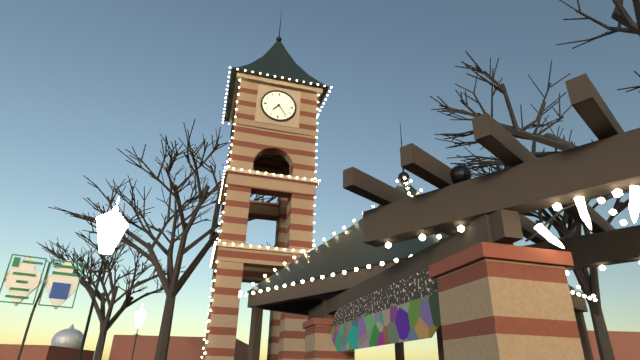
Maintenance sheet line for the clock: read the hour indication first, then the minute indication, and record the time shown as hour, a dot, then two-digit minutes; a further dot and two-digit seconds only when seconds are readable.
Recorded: 7.24
